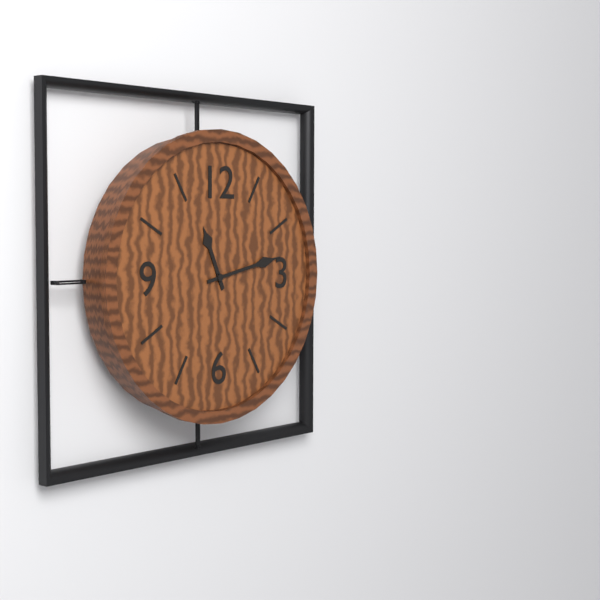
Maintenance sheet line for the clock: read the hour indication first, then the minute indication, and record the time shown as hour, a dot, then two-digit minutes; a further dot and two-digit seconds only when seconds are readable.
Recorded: 11.13
